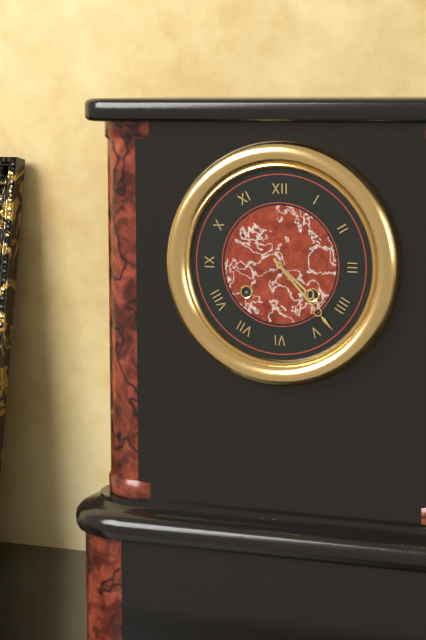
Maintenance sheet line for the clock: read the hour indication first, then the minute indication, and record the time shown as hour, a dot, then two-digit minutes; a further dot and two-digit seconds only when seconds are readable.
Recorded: 4.23
